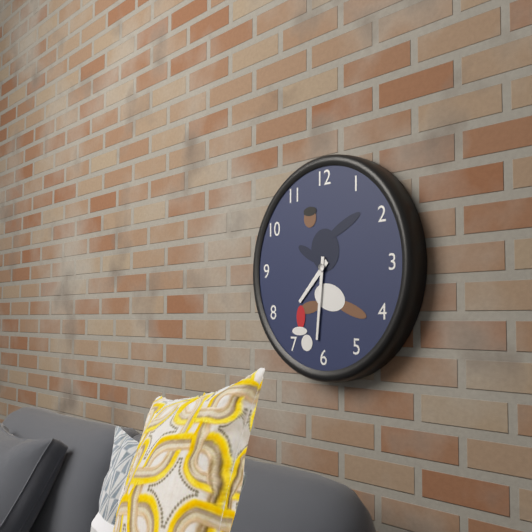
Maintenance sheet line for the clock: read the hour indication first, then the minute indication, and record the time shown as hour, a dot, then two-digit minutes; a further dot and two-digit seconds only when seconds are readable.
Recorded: 7.31
